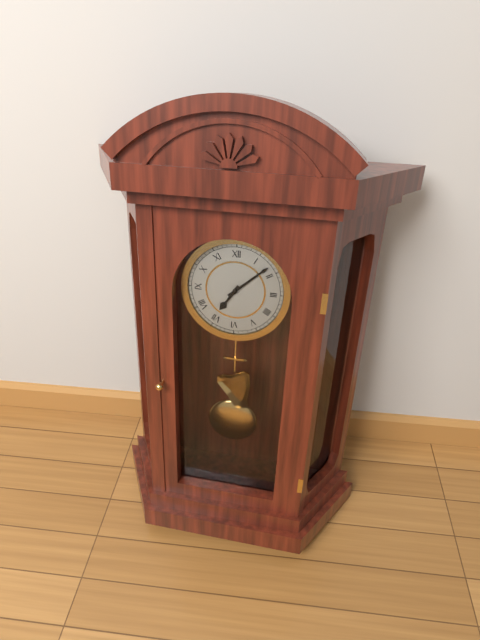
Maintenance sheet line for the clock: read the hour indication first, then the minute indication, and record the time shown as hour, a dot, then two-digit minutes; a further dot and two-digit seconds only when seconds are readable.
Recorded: 7.08
